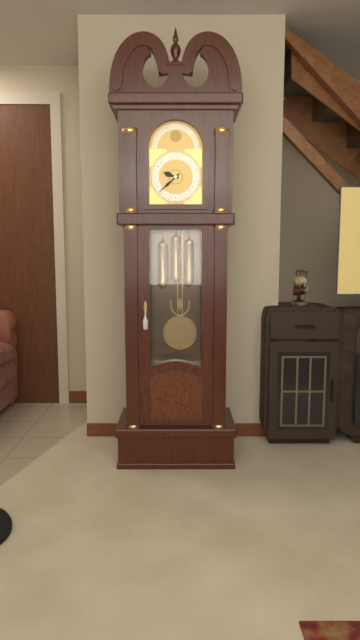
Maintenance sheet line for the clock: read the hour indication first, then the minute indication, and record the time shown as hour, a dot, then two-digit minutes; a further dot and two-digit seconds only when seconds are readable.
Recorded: 9.38
